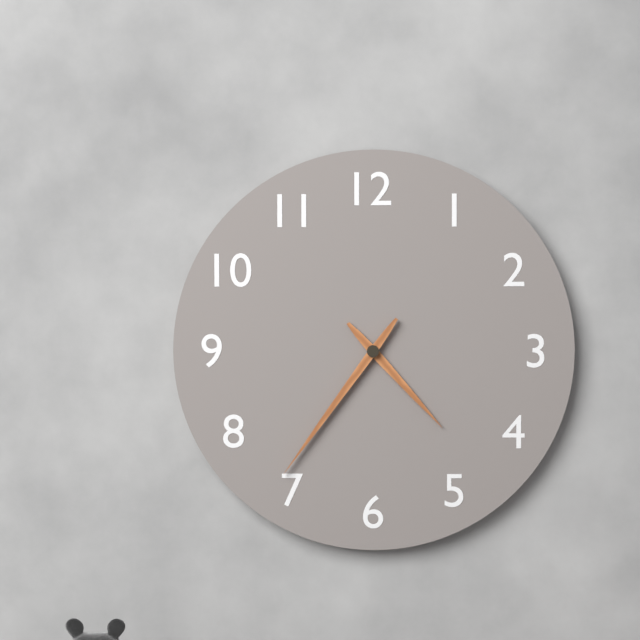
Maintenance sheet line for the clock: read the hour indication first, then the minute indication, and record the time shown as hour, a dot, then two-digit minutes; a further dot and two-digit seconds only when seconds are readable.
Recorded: 4.36
